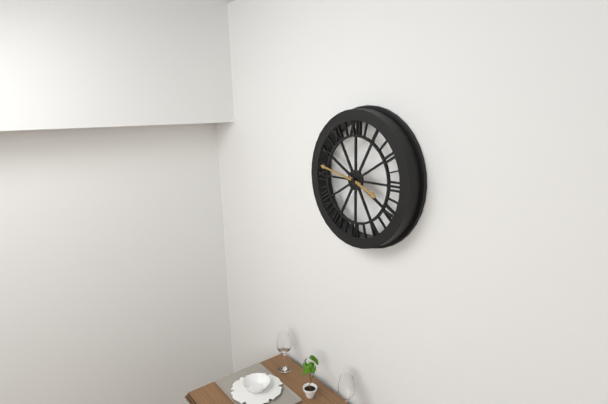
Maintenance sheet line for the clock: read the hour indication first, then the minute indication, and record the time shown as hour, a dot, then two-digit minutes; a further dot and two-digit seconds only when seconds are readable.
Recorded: 3.47
